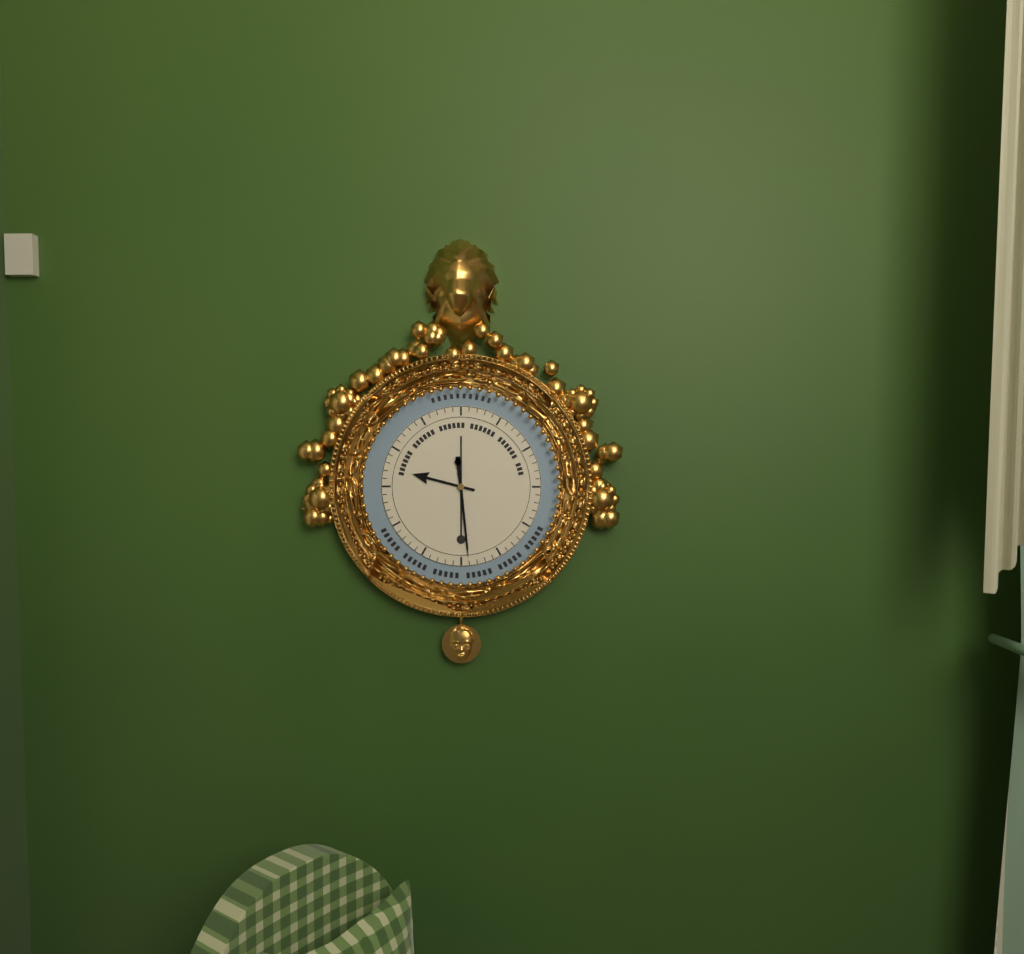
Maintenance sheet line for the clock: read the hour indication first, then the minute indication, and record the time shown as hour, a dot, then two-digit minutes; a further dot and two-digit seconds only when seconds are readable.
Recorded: 9.29
